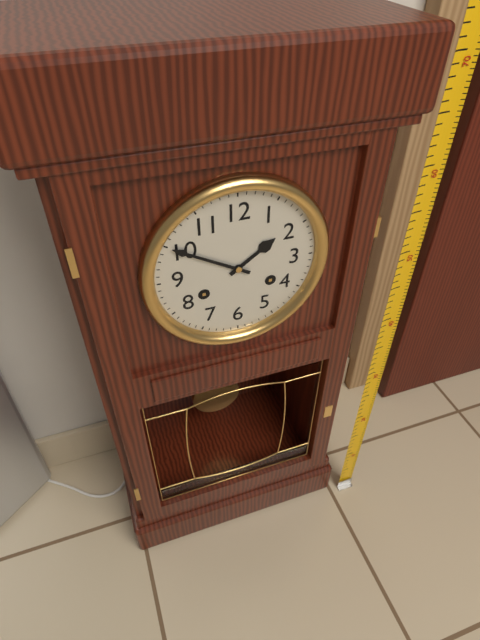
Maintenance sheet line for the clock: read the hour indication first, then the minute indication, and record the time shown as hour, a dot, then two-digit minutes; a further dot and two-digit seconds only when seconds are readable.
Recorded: 1.50
